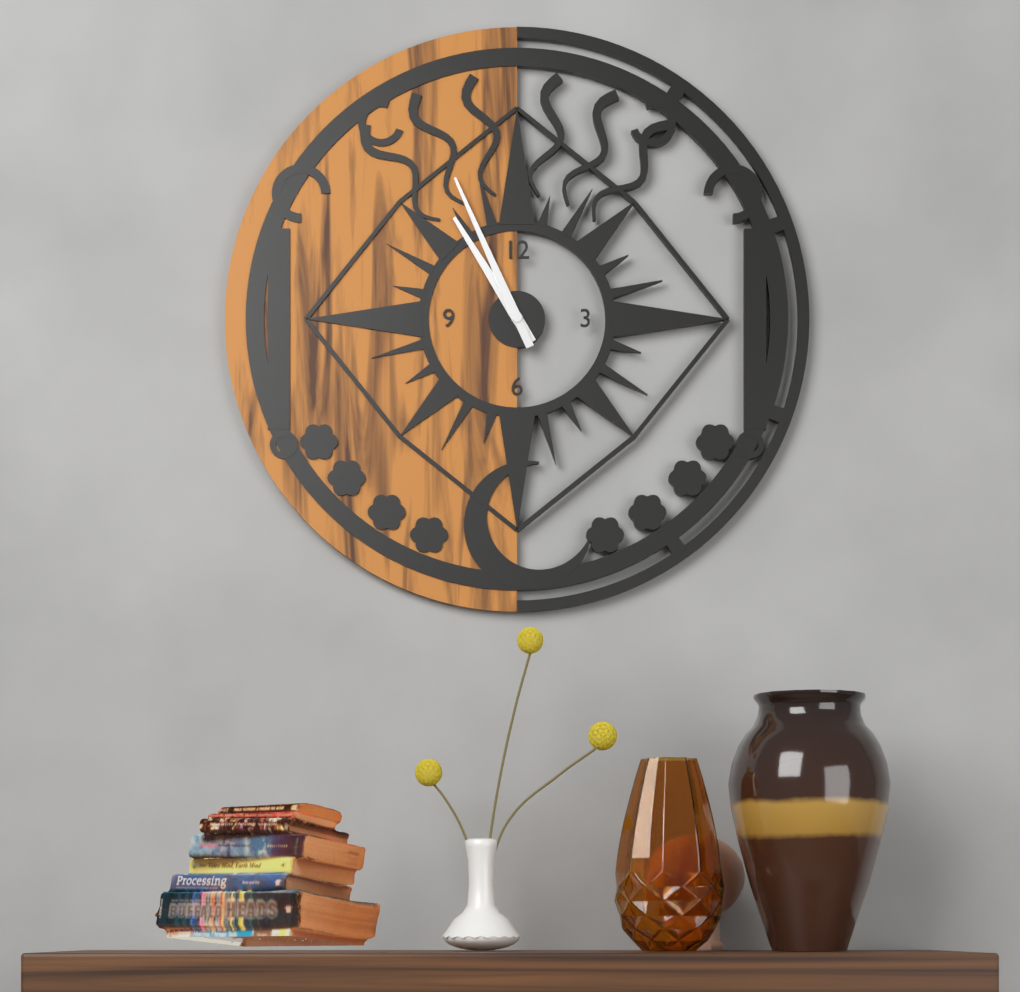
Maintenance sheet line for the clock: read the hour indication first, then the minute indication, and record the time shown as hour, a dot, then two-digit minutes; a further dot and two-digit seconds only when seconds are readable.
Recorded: 10.56
